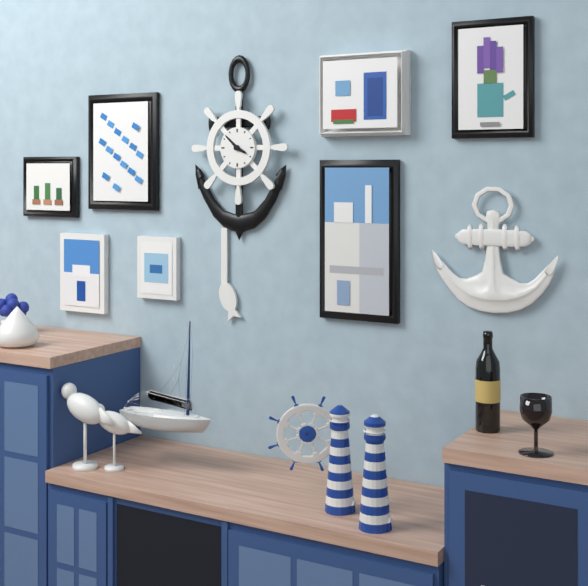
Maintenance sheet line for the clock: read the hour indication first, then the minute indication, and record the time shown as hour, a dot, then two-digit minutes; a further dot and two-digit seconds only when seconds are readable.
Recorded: 3.52
